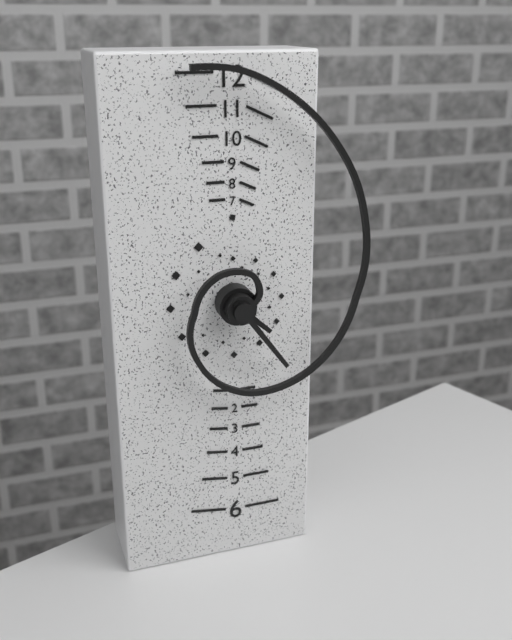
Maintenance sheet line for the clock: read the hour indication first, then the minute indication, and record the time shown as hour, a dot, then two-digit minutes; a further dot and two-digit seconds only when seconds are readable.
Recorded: 4.24
